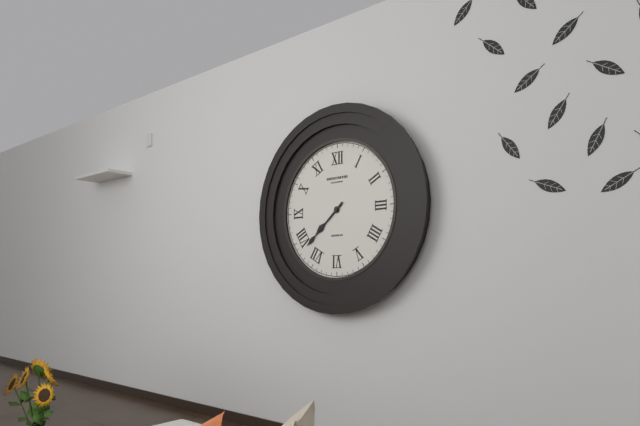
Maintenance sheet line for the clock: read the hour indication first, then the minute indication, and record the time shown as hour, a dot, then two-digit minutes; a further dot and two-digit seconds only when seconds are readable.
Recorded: 7.38
